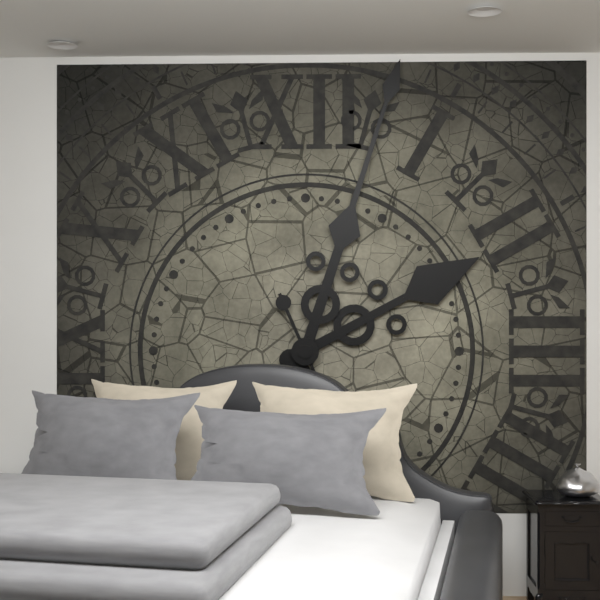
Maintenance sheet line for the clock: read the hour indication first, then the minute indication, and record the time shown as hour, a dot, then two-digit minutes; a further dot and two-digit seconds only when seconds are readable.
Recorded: 2.03
